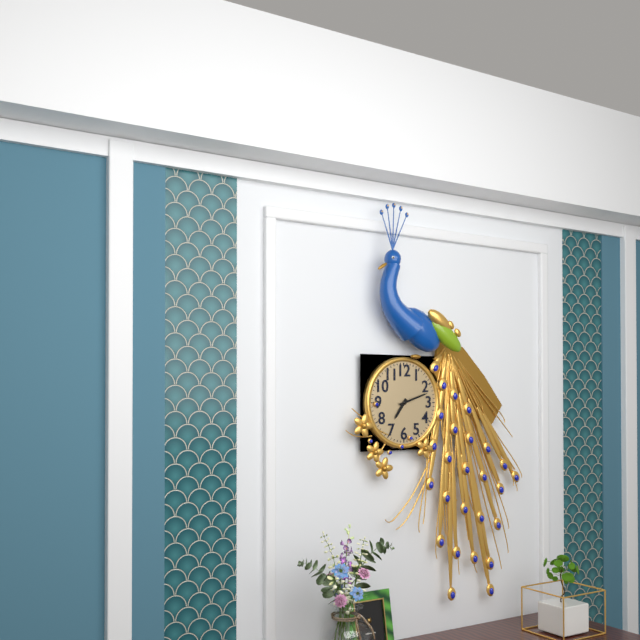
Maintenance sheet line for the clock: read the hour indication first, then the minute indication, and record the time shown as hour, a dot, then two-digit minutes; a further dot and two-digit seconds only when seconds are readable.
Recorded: 7.12
